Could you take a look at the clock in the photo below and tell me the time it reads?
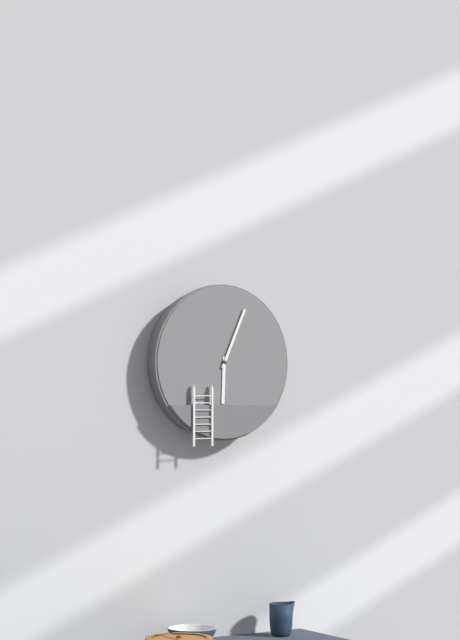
6:04
